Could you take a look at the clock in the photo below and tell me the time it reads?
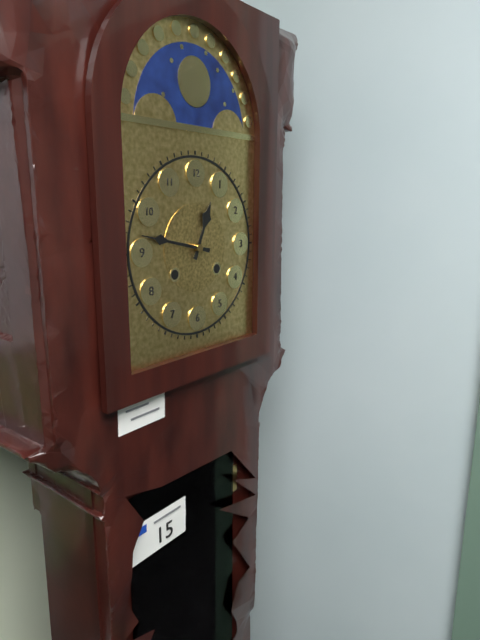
12:47
